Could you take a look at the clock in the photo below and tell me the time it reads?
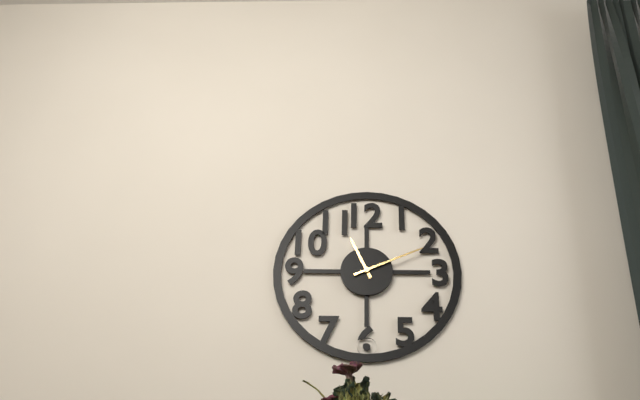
11:11
